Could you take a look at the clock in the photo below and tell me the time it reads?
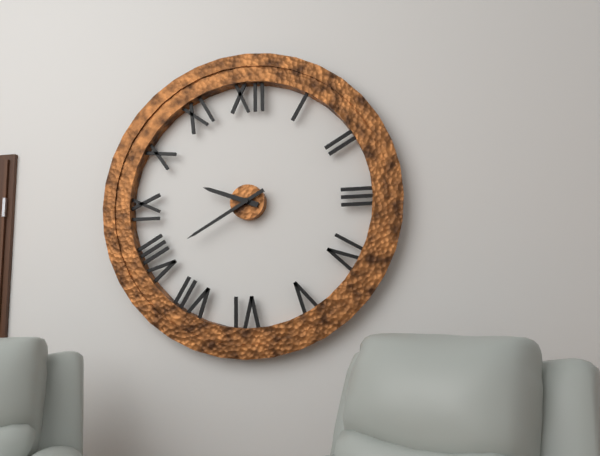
9:40
